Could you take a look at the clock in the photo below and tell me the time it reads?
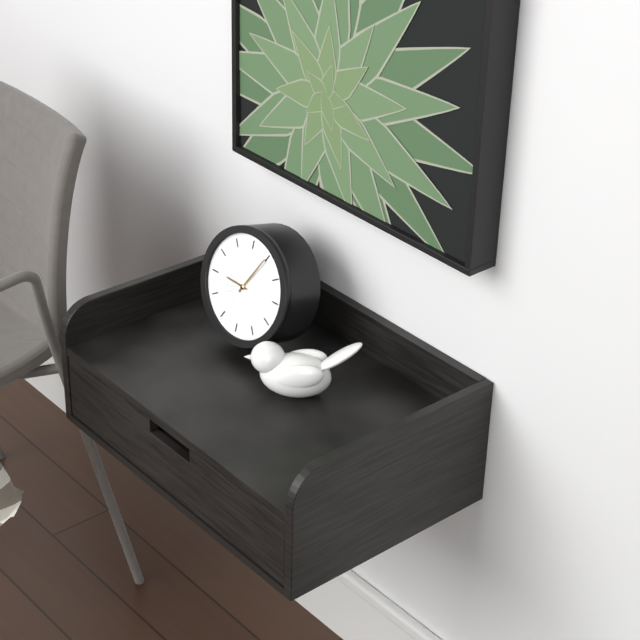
9:05
